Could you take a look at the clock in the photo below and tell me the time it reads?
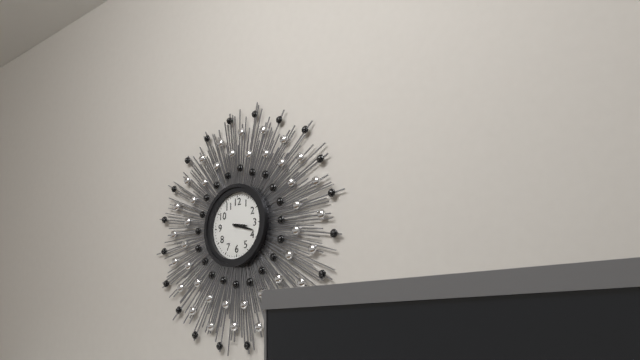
3:18
